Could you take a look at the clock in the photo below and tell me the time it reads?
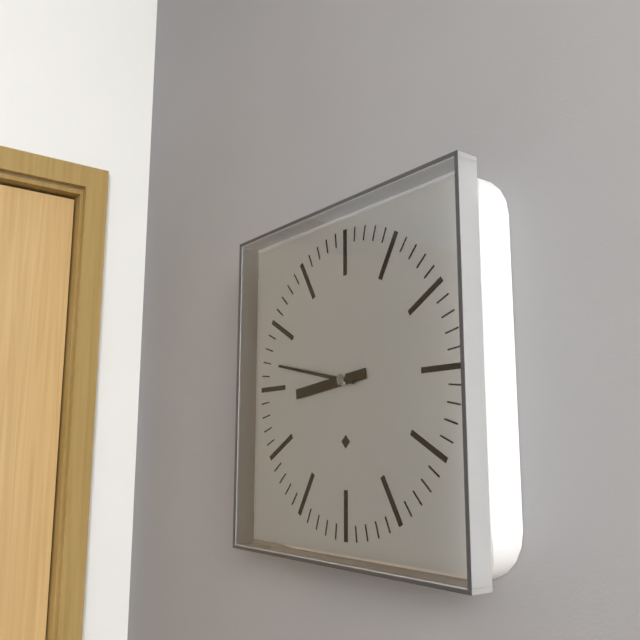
8:47
